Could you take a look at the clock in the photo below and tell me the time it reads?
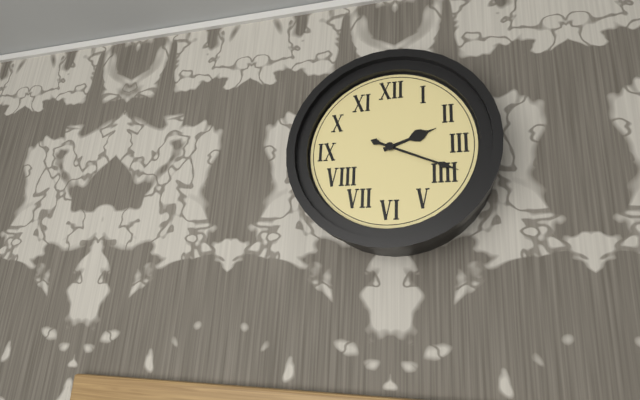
2:19
